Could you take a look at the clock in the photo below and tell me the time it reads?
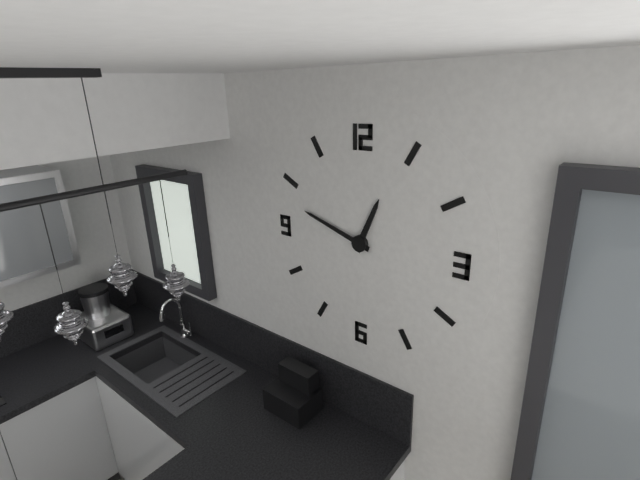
12:48
